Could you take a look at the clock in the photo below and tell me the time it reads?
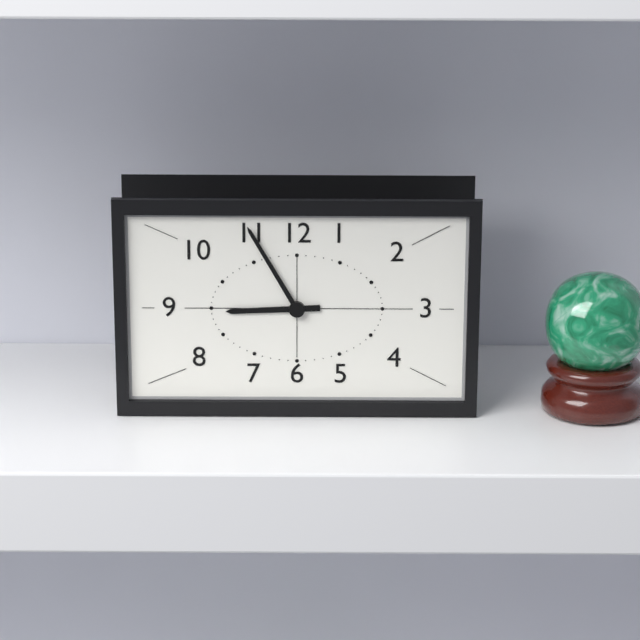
8:55
